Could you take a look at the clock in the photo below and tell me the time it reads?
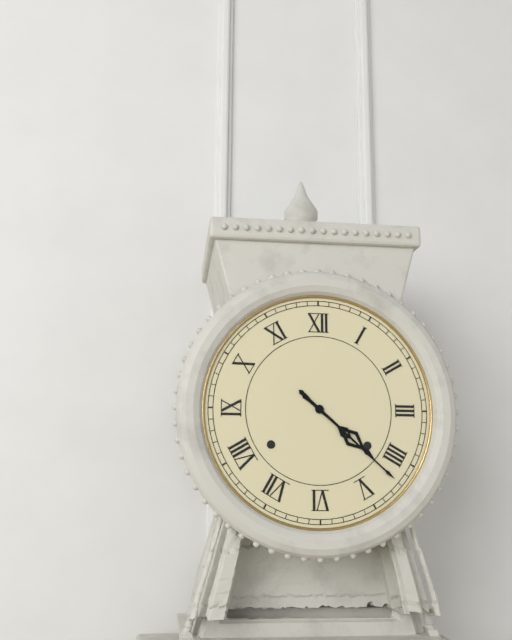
4:22
